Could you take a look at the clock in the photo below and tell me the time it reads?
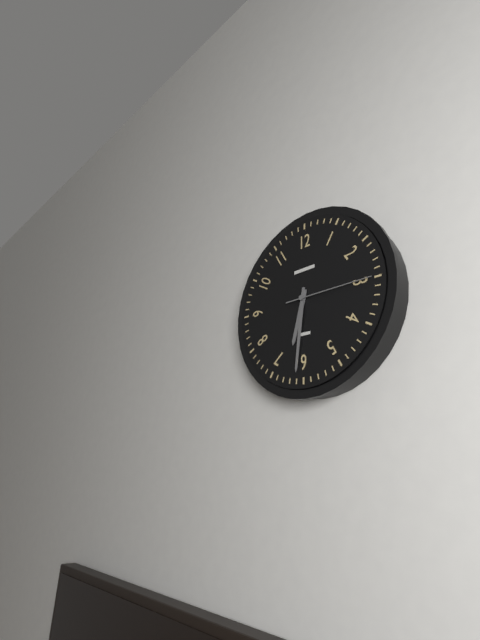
6:31:15
